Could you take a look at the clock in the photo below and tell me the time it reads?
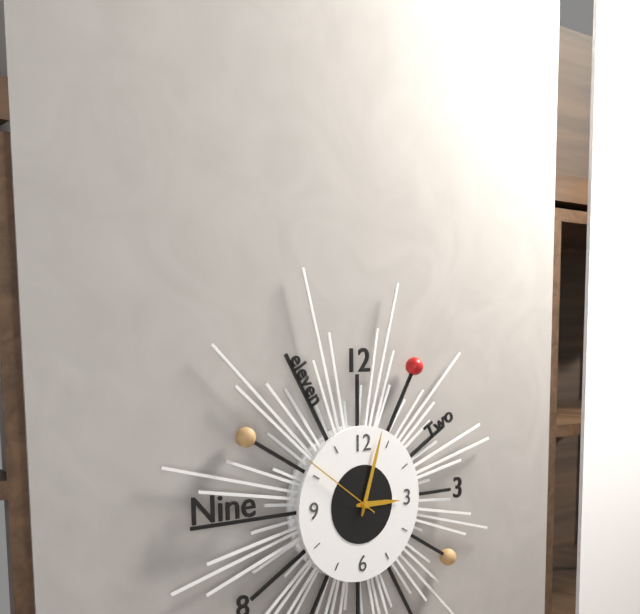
3:03:51
